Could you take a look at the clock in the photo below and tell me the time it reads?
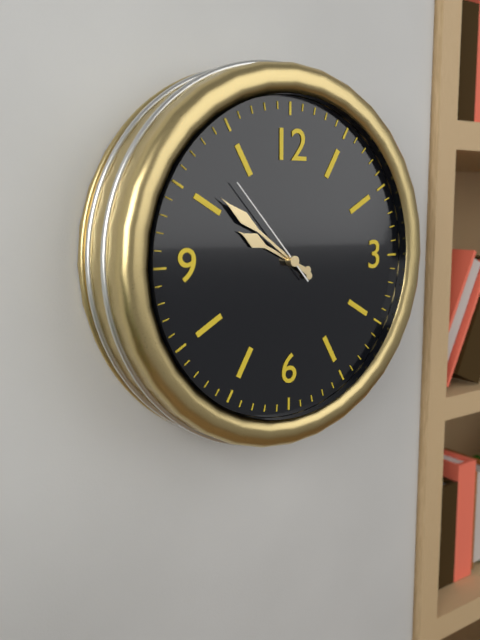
9:51:53
